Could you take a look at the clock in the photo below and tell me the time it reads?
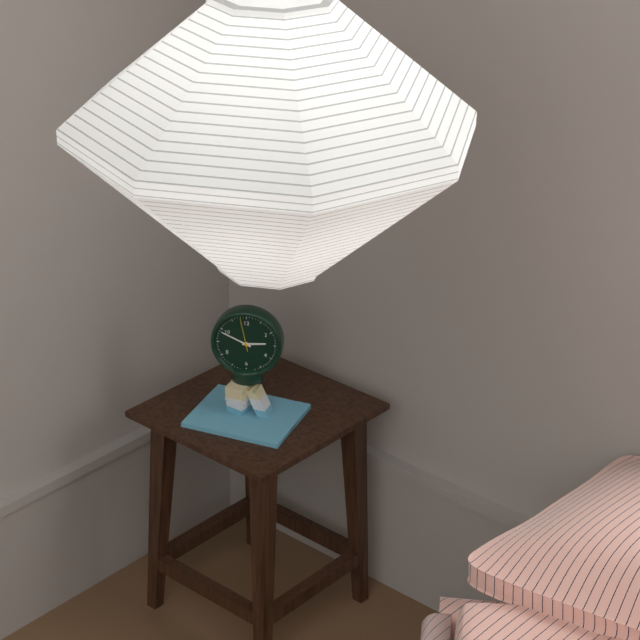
2:49
